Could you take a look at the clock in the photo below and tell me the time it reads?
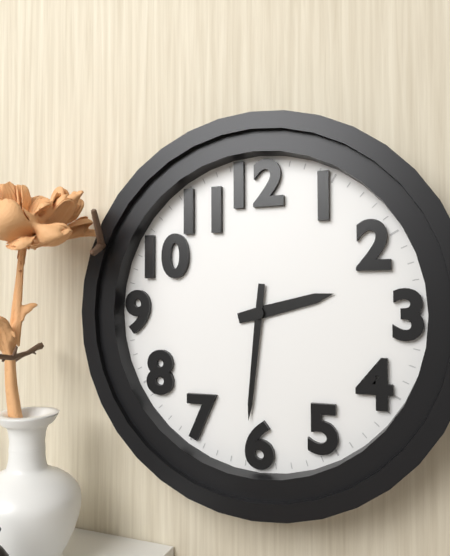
2:31
